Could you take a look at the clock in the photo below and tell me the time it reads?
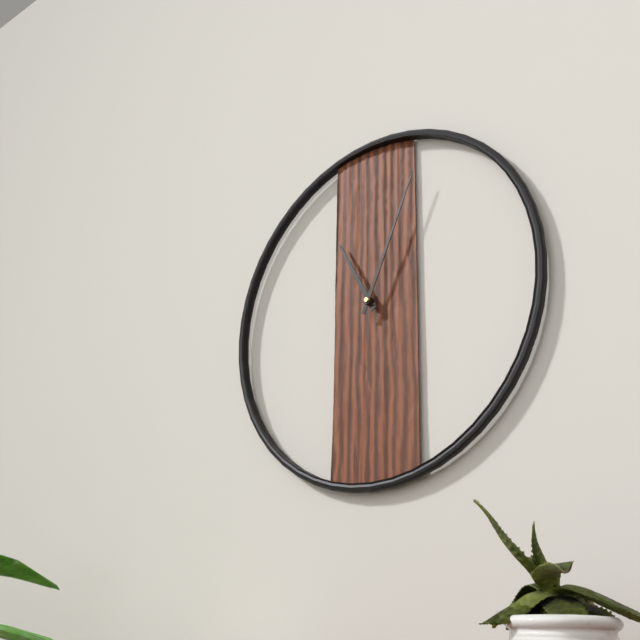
11:04
